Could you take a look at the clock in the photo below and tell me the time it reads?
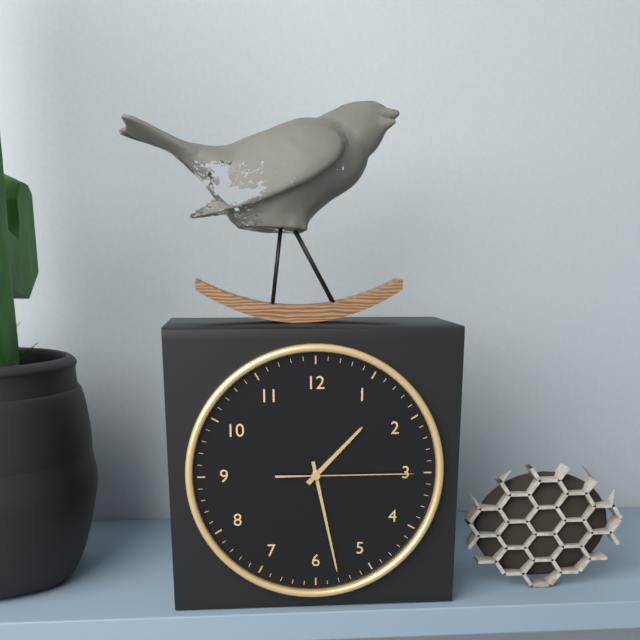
1:28:15
